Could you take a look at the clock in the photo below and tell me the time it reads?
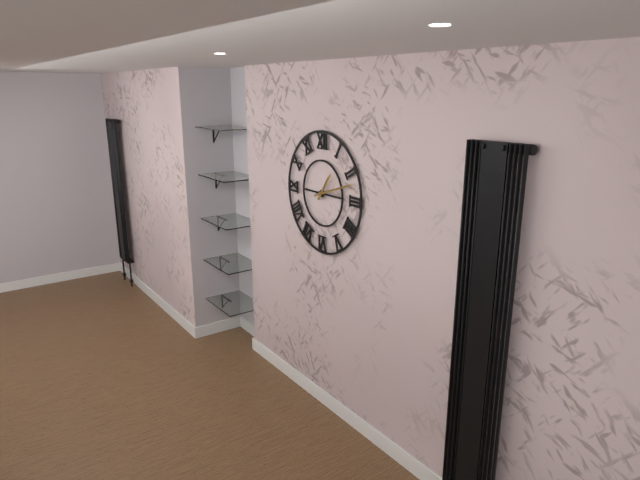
1:12
